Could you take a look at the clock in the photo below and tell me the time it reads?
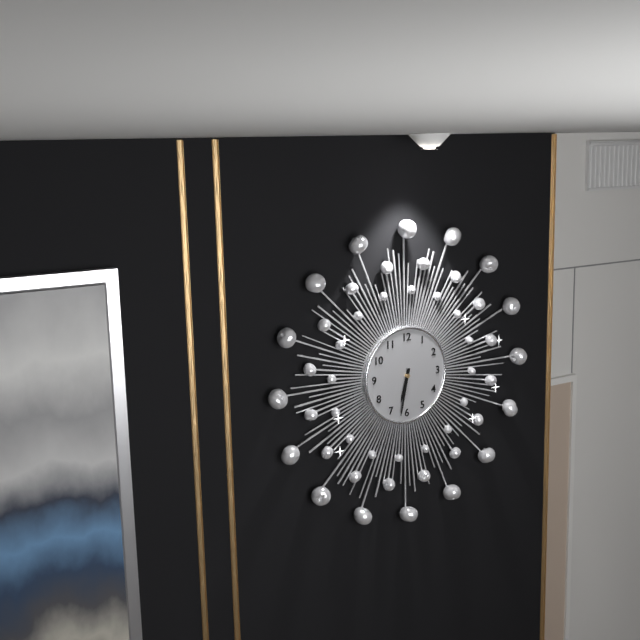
6:32
